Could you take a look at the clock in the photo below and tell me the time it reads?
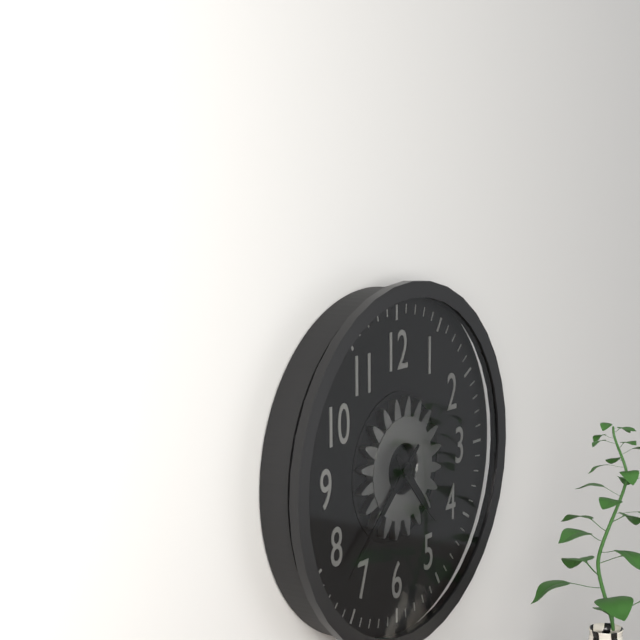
4:38
